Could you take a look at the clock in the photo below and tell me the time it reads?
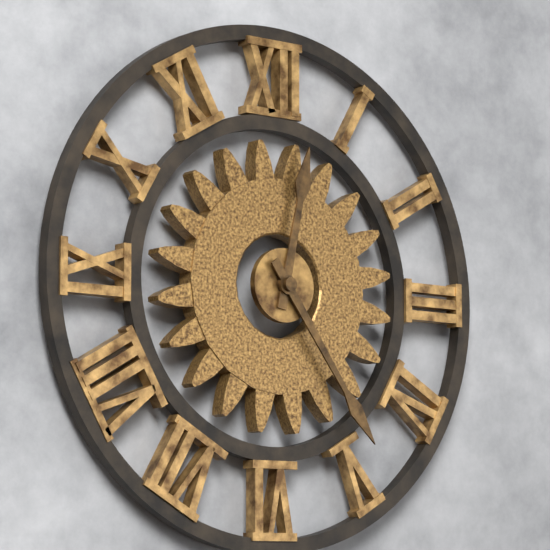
12:24
